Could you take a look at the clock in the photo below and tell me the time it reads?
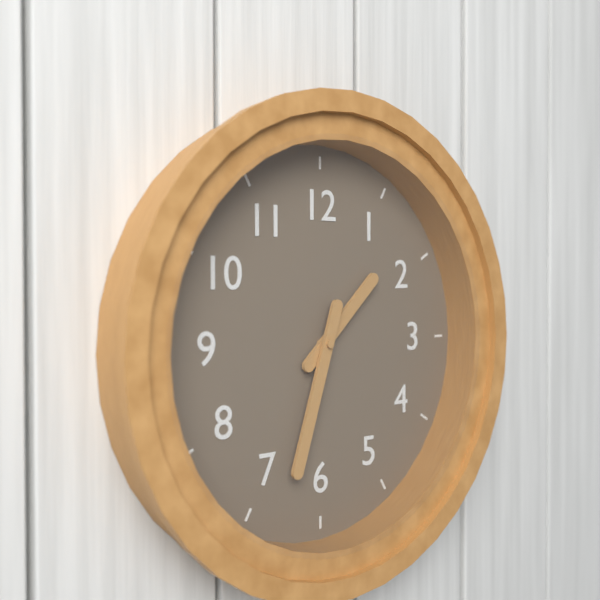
1:33
